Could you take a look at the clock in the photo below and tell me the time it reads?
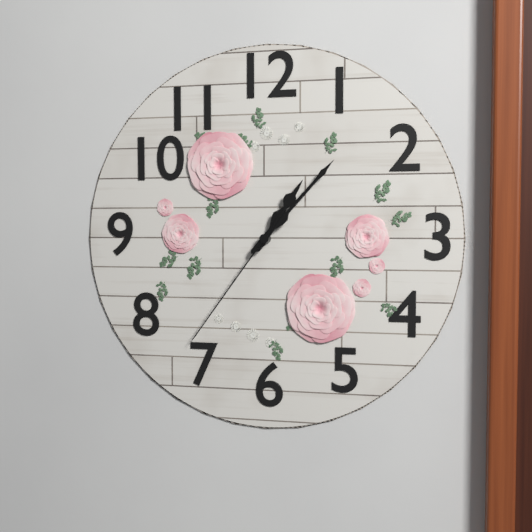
1:07:36
